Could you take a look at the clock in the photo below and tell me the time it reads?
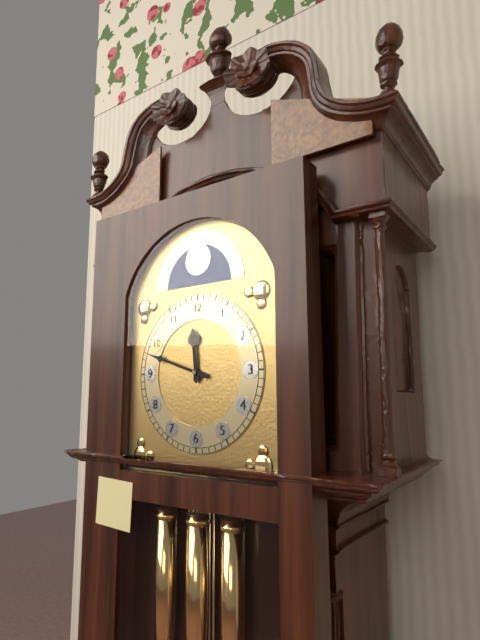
11:48
